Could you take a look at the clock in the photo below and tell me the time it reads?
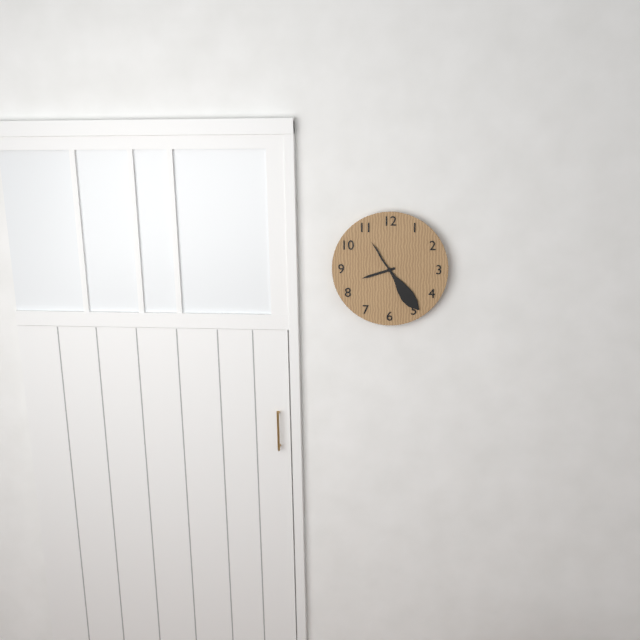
8:24
